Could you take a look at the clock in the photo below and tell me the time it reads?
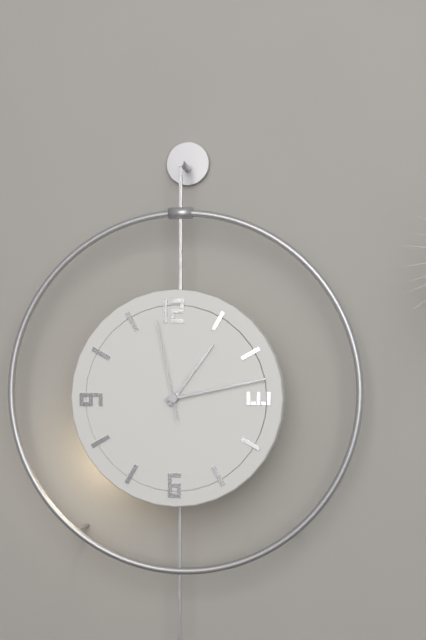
1:13:58
